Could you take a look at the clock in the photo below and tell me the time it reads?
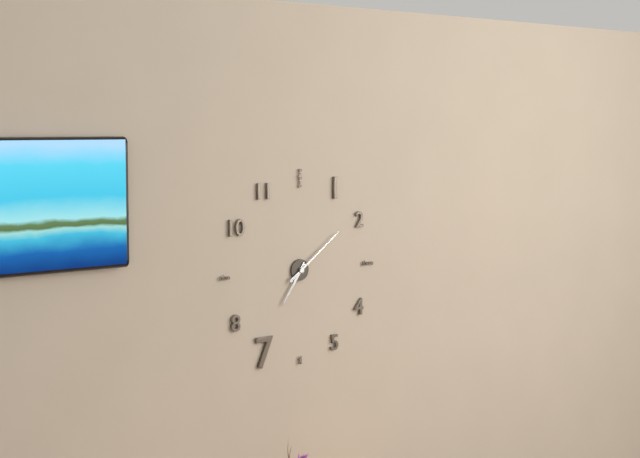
7:09
